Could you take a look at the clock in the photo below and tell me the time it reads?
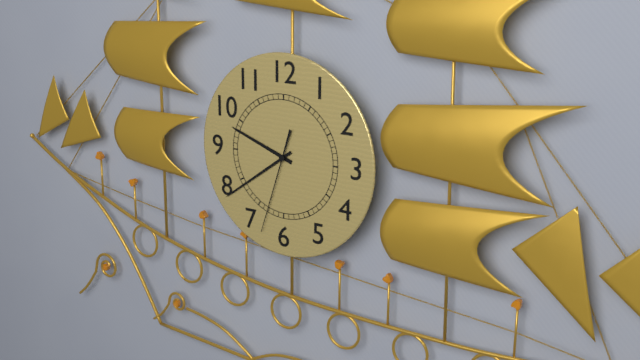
9:39:33
